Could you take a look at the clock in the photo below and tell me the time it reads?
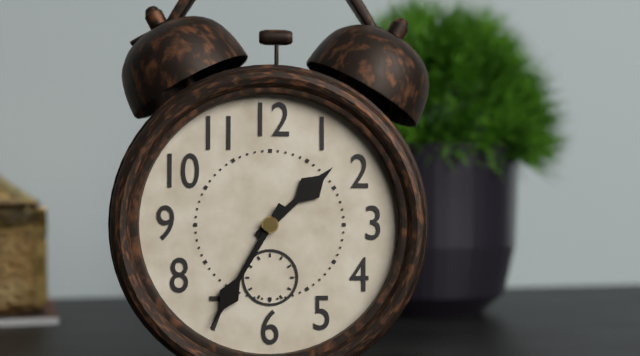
1:35
